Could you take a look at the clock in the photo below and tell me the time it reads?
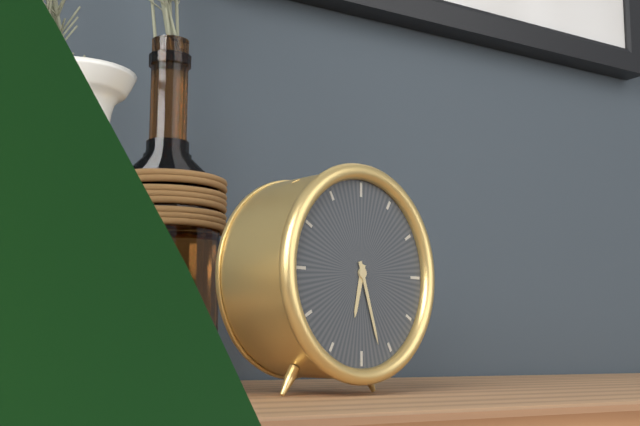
6:27
